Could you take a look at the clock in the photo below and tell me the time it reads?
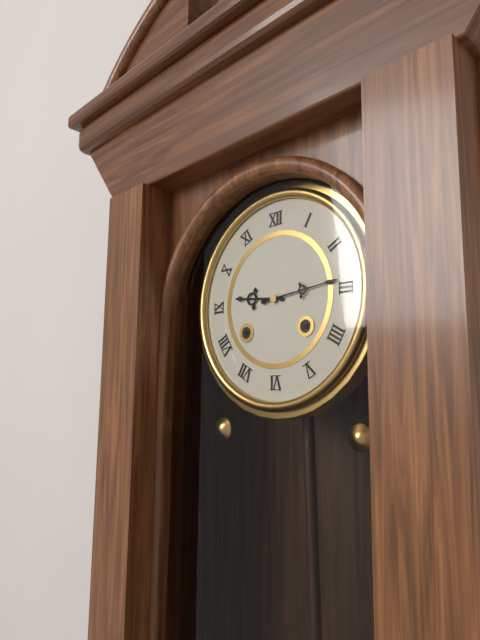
9:14
